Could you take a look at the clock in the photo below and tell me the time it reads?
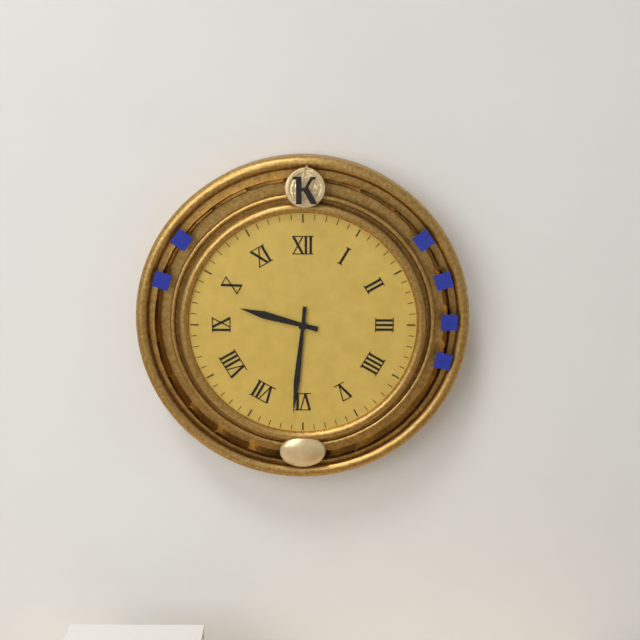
9:31
